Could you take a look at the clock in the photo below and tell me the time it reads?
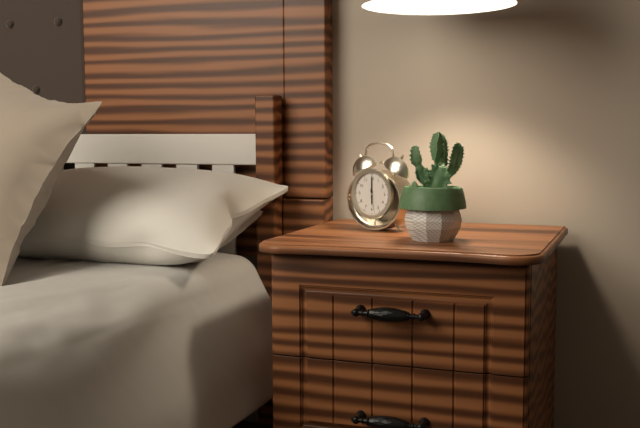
6:00
